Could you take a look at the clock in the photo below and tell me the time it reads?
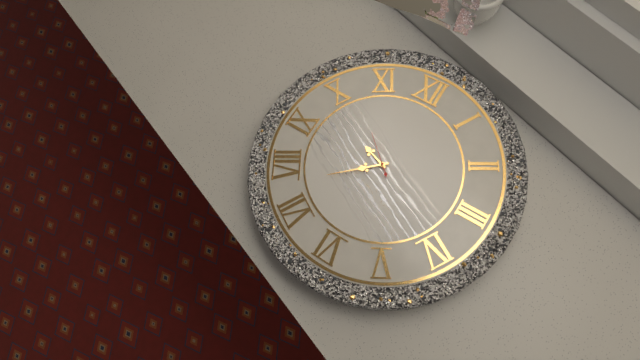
9:38
